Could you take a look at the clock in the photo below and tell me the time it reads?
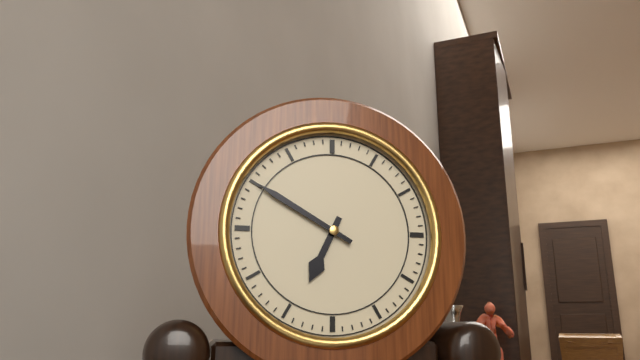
6:50
